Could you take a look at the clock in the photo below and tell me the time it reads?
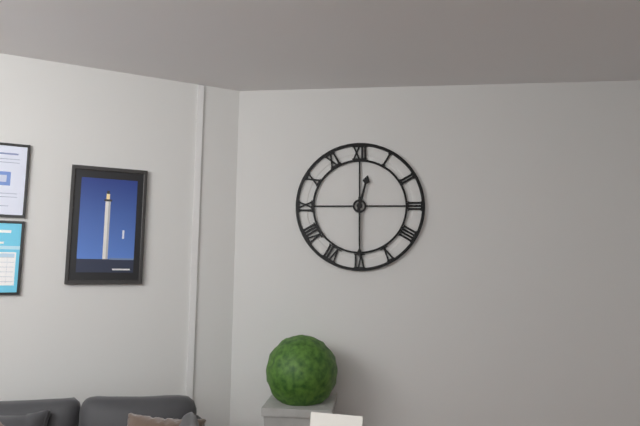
12:30
